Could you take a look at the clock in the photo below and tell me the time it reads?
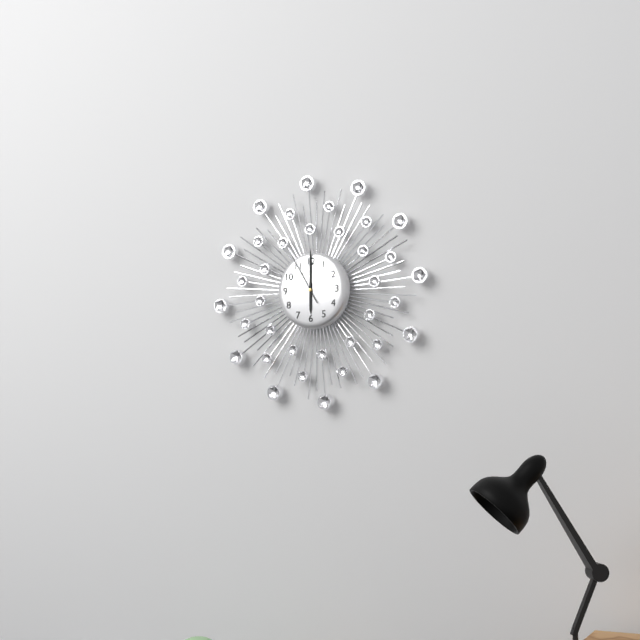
6:00:55
